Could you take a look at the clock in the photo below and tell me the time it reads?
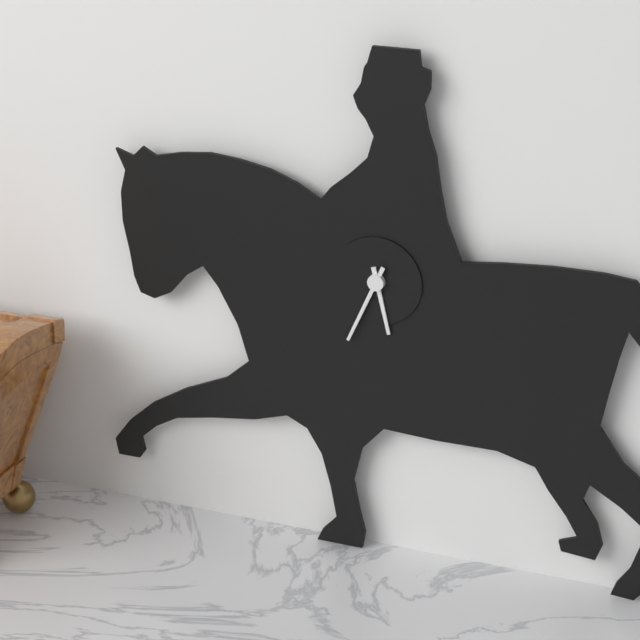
5:34
